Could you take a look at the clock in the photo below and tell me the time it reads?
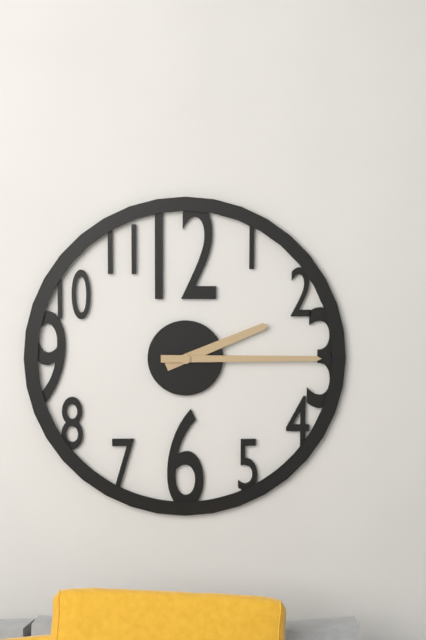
2:15
